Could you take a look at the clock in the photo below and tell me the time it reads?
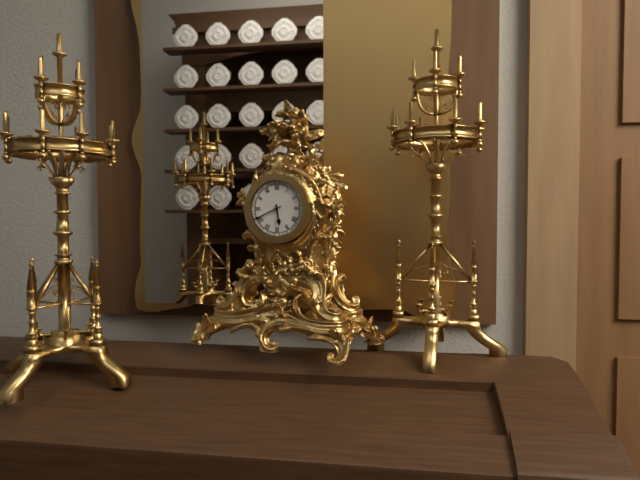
5:41
